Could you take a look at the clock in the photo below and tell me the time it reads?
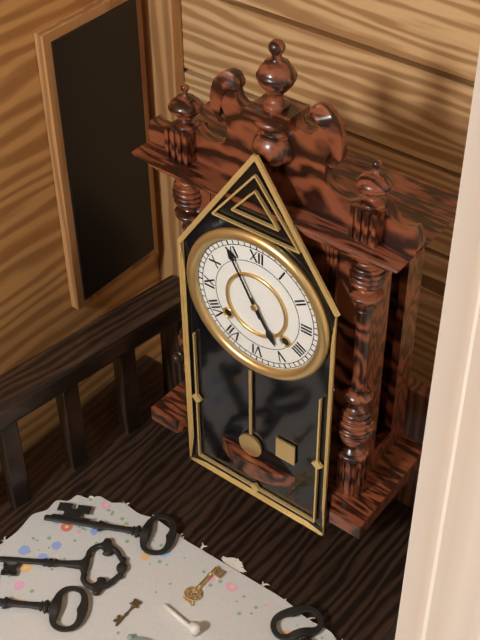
4:55
